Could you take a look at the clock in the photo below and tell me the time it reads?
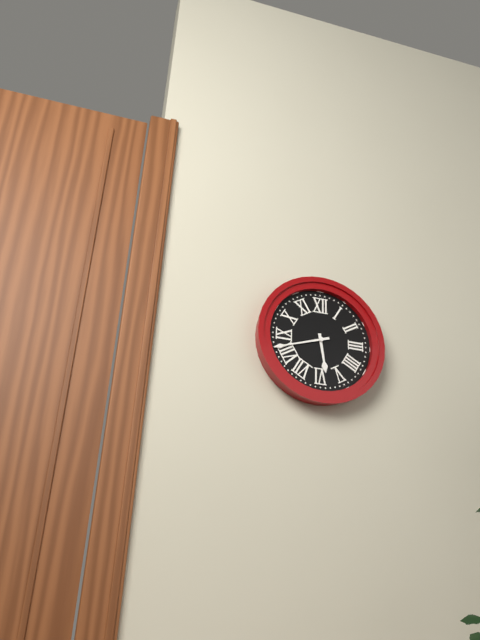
5:42
